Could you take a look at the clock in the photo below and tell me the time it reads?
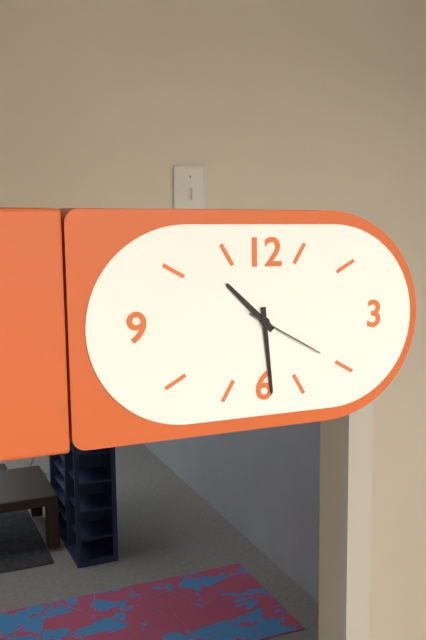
10:29:20
